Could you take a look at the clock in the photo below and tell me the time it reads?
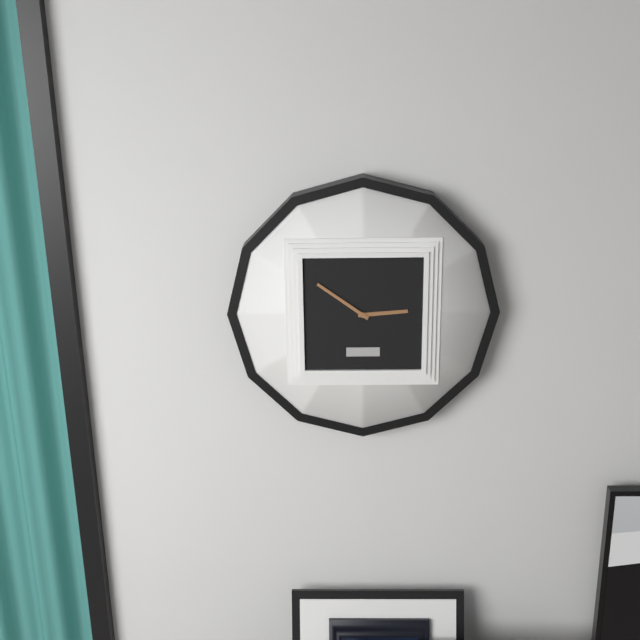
2:51
